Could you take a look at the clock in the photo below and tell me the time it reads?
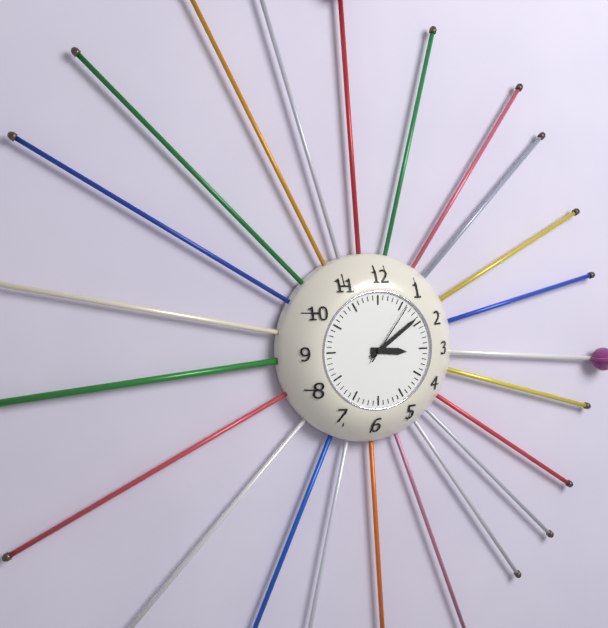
3:09:06
